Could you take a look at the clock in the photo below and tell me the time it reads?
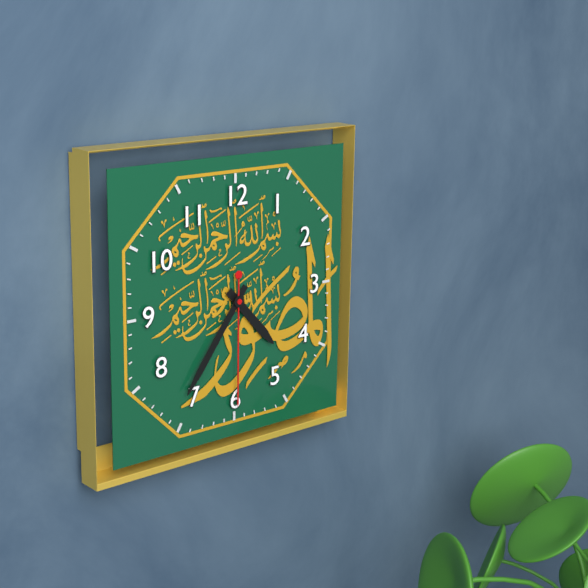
4:36:30
